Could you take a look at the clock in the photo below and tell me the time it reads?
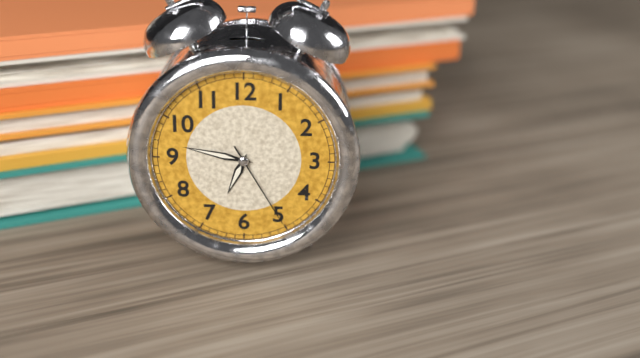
6:47:25
